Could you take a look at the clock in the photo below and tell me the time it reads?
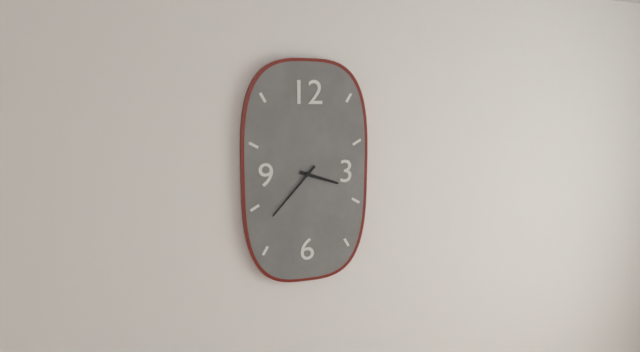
3:37
